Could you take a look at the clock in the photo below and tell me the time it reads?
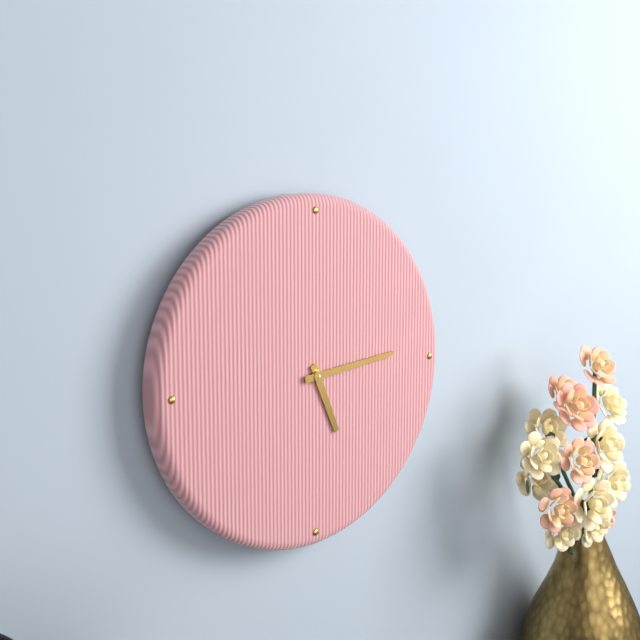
5:14
